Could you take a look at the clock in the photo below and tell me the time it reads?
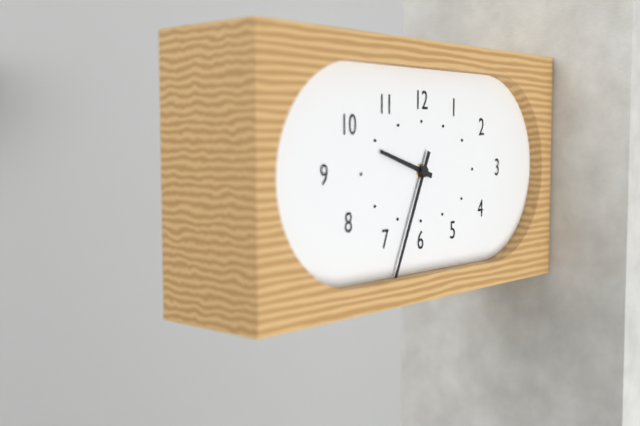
9:34
